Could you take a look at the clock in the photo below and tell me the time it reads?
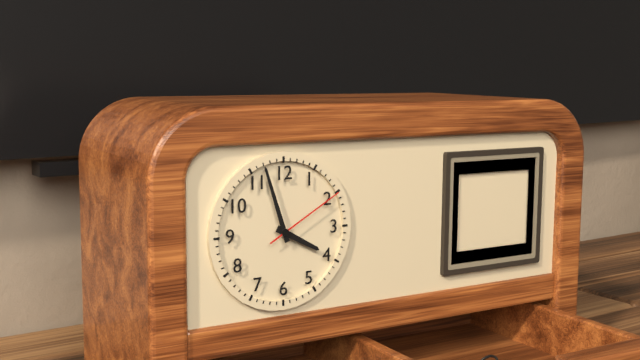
3:57:10
